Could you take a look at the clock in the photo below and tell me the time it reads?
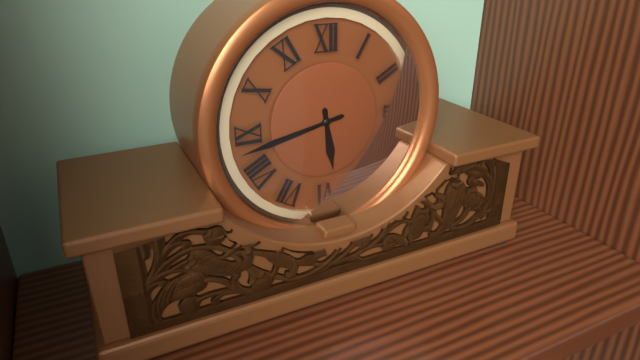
5:43
